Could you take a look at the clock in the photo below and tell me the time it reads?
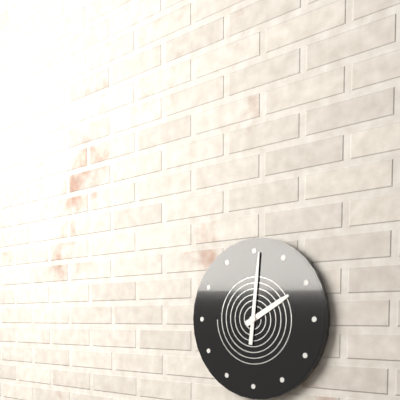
2:01
